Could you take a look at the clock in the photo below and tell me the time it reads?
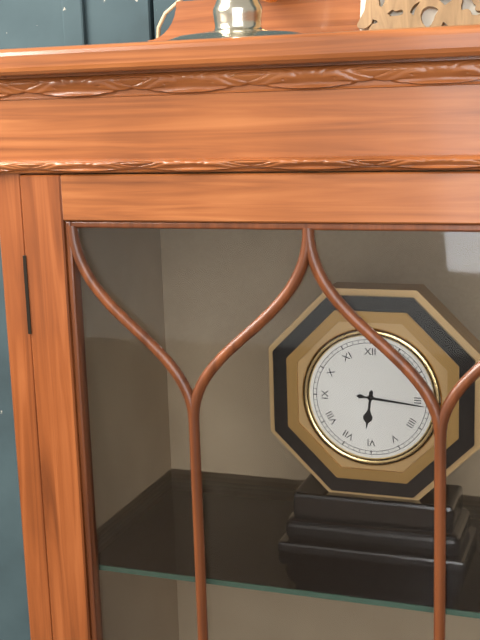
6:16
